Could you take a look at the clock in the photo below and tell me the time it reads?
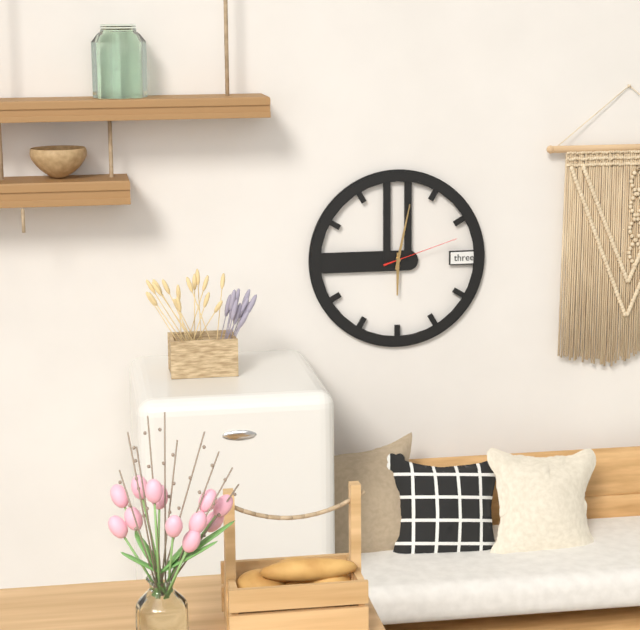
6:02:12
